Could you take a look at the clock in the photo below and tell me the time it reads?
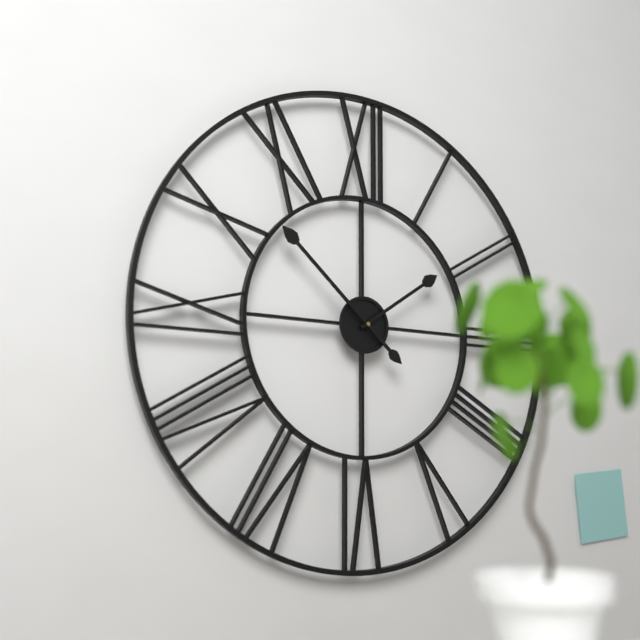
1:52
